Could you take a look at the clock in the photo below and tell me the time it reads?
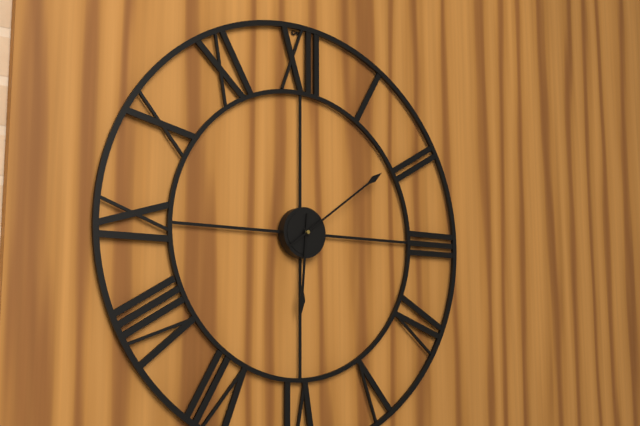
6:09
